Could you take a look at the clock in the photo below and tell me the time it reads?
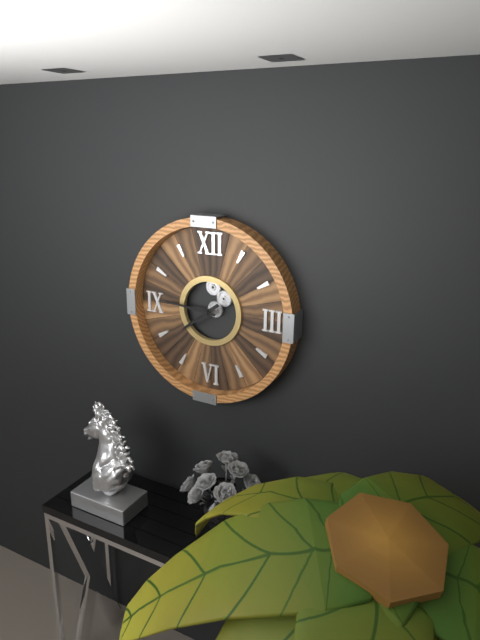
7:46
